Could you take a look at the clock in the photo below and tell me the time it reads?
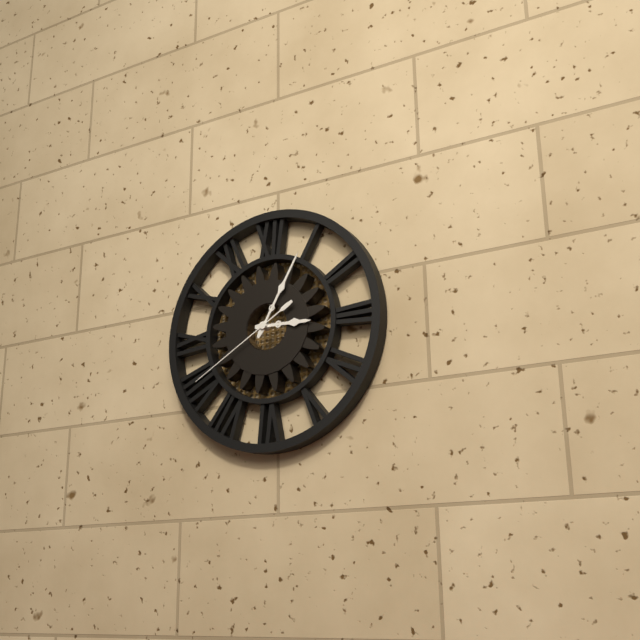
3:05:40
